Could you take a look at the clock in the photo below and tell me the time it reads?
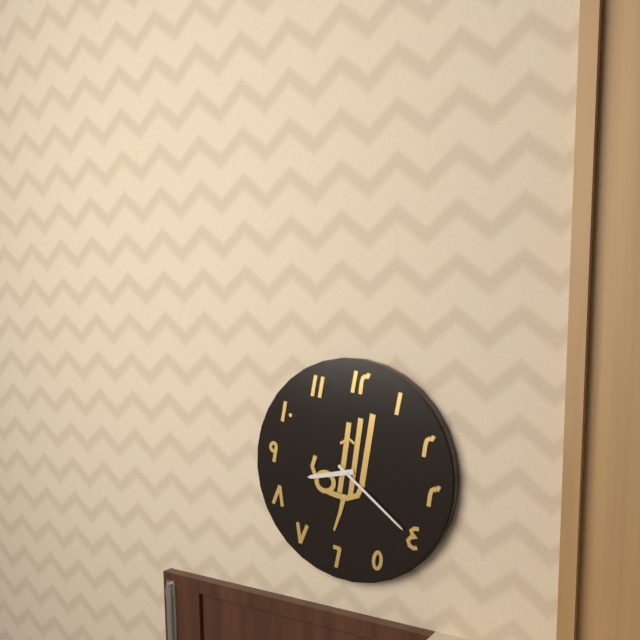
8:20
